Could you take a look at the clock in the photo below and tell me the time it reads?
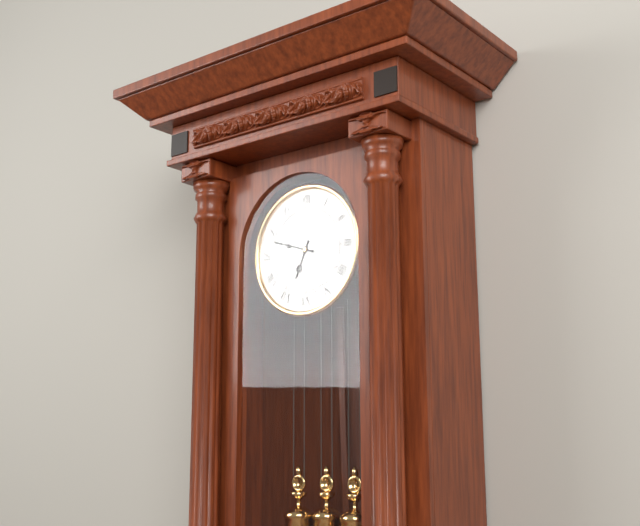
6:48
